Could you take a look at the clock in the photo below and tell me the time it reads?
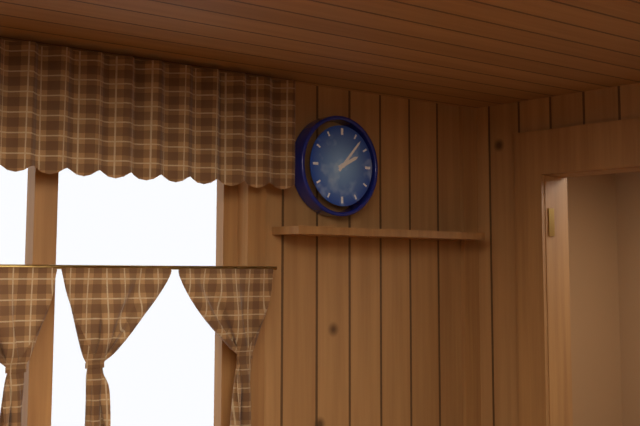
2:07
